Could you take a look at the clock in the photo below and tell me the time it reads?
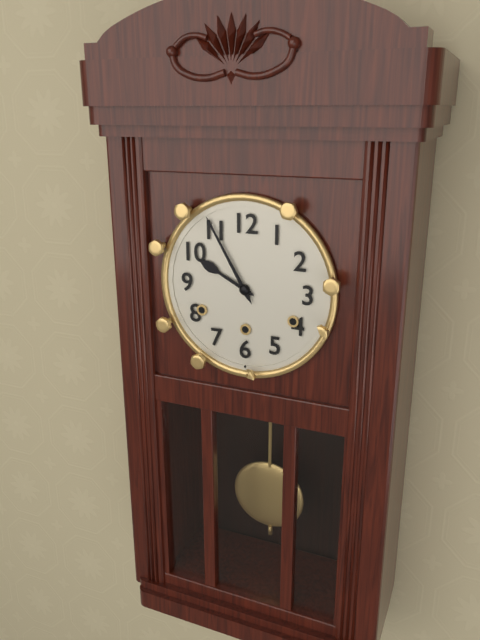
9:55
